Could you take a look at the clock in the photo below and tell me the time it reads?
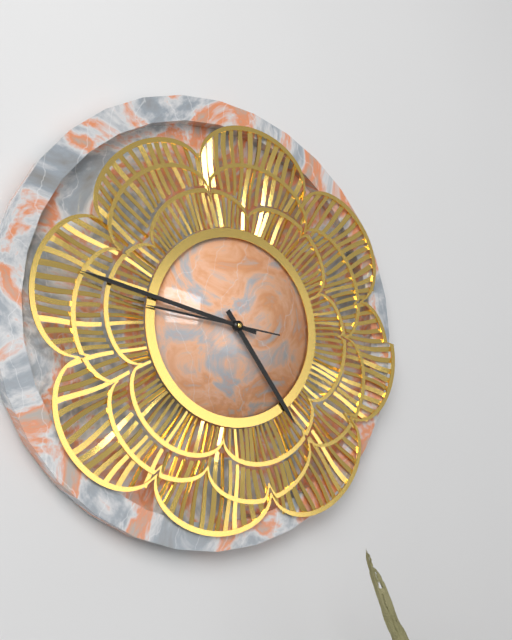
4:47:46
